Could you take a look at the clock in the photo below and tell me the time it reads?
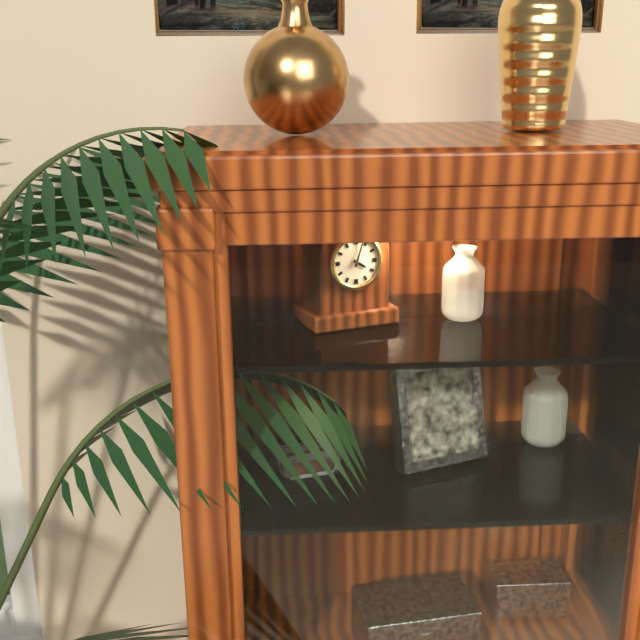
4:03
